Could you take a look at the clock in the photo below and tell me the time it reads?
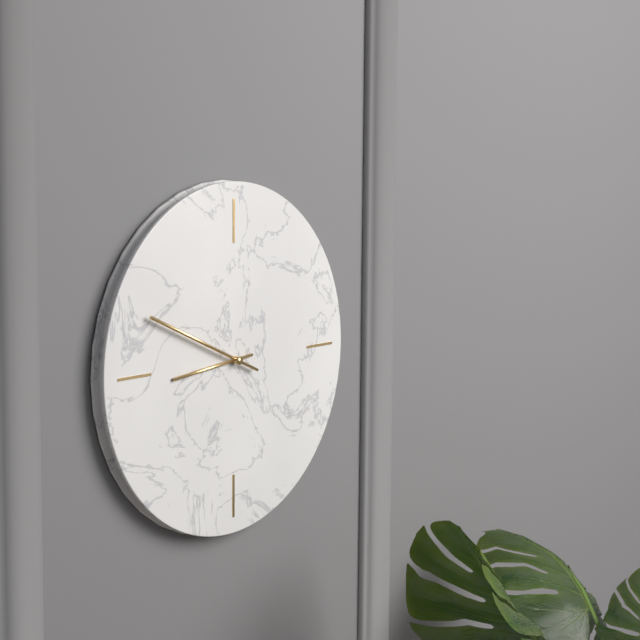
8:49
